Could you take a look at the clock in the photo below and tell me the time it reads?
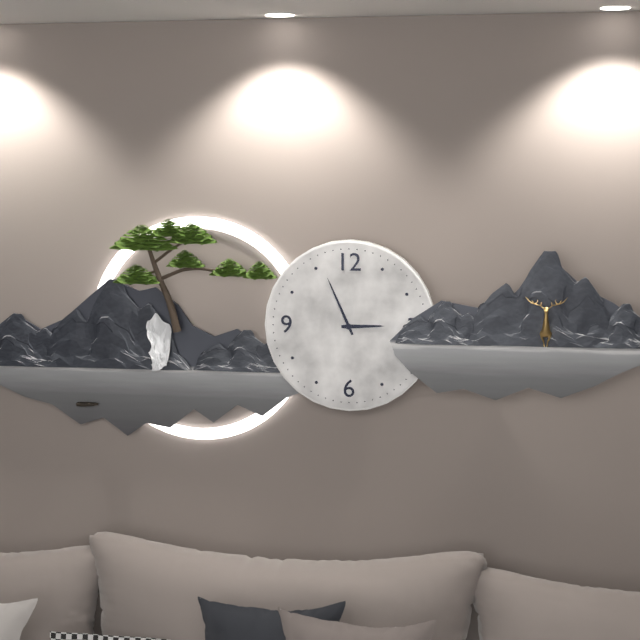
2:56
